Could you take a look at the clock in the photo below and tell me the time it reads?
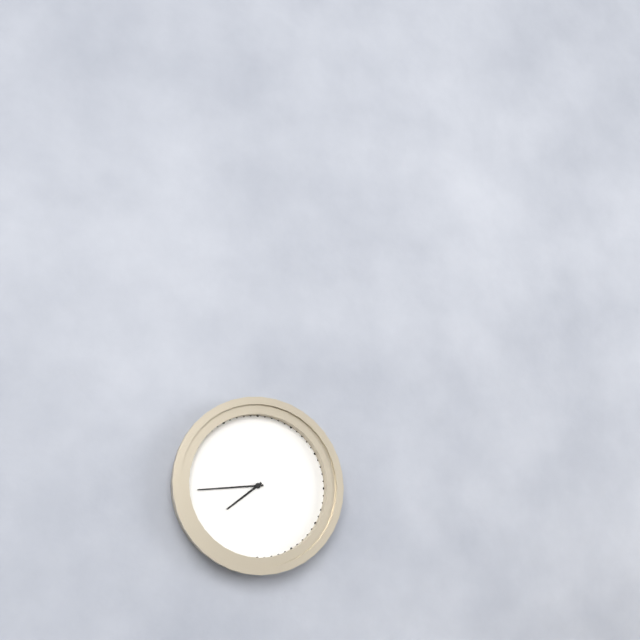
7:44
